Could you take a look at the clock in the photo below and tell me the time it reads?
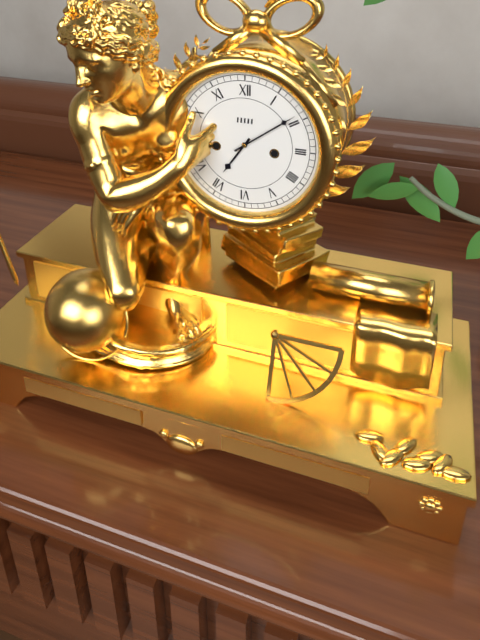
7:09
